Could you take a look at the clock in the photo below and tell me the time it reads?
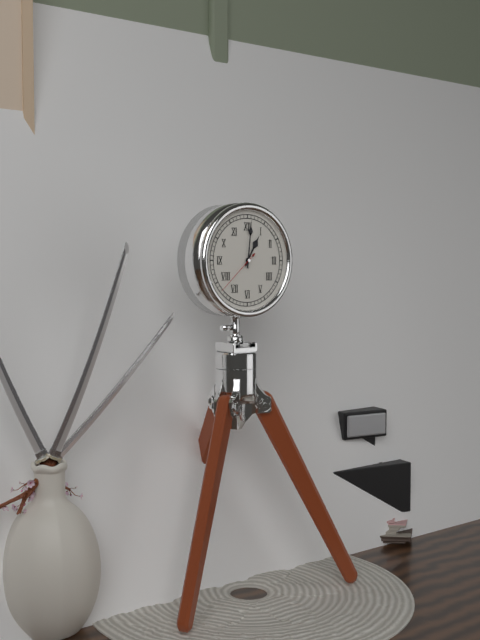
1:01:38
